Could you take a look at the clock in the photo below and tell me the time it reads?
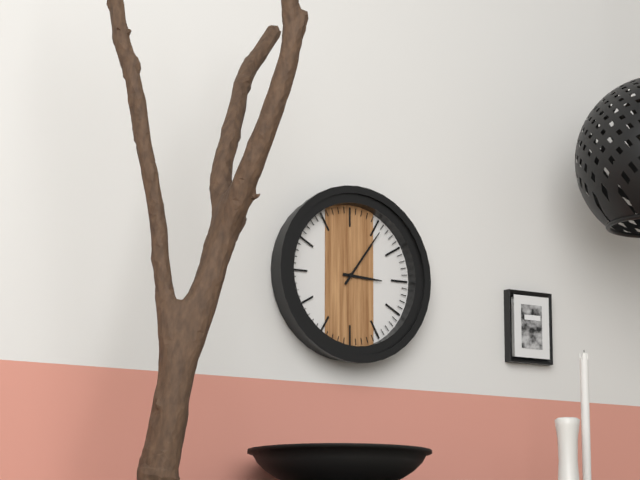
3:06
